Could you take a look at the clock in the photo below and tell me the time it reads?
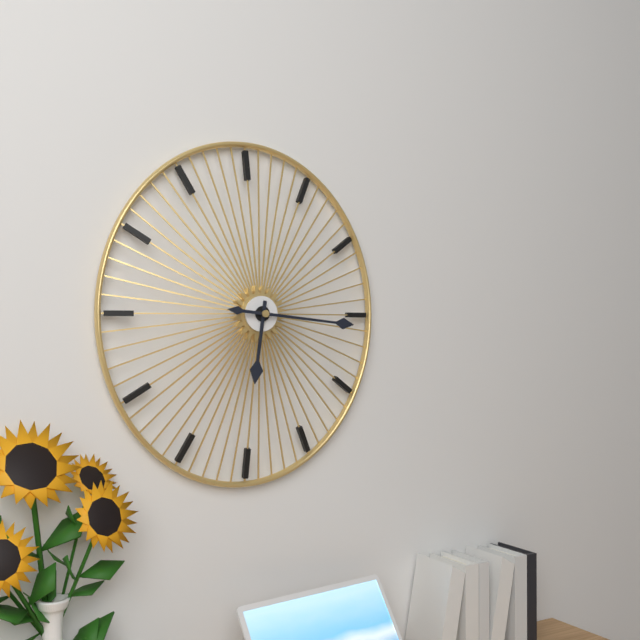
6:16
